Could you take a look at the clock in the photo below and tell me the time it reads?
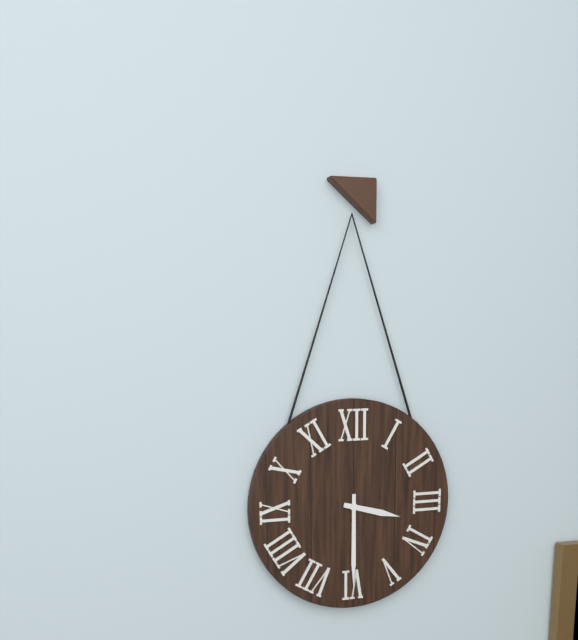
3:30
